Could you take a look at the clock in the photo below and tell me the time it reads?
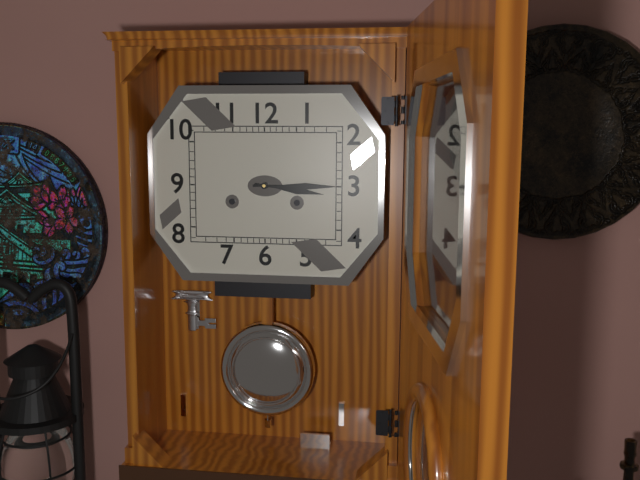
3:15
